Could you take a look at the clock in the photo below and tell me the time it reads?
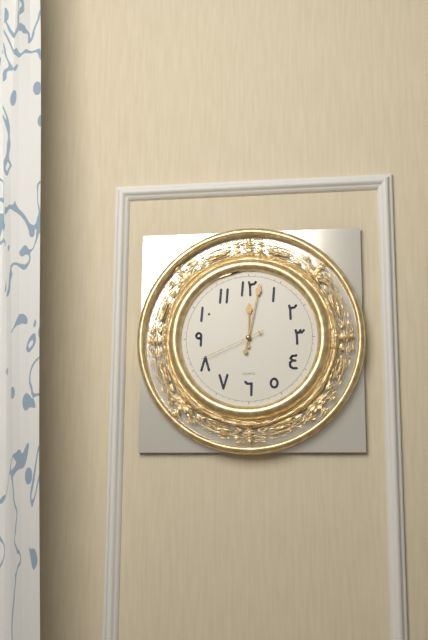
12:02:41
